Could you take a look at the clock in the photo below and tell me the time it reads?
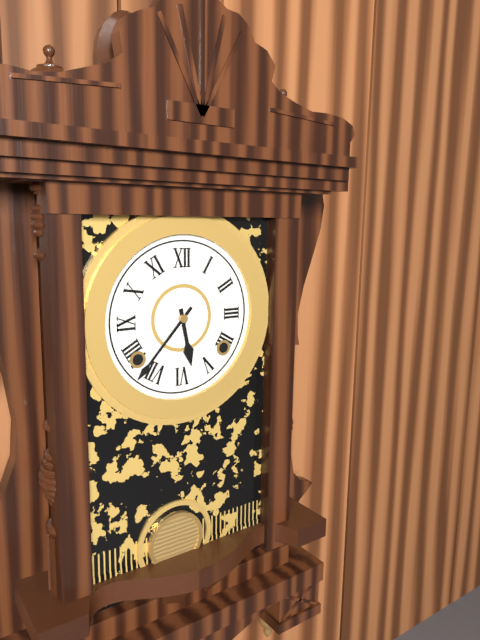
5:37
